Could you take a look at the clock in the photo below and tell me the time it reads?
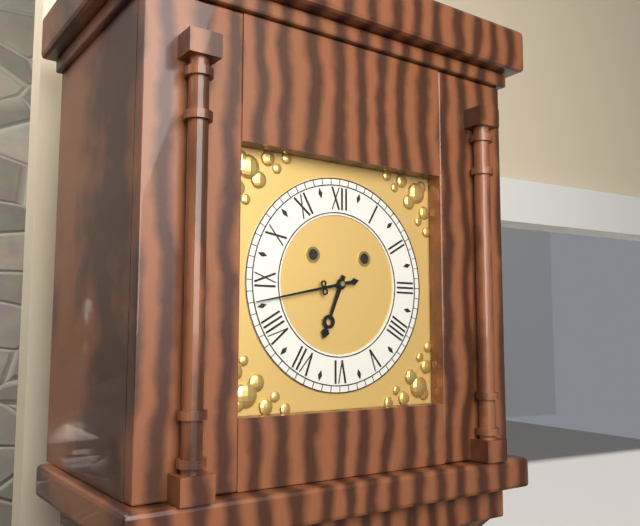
6:43
